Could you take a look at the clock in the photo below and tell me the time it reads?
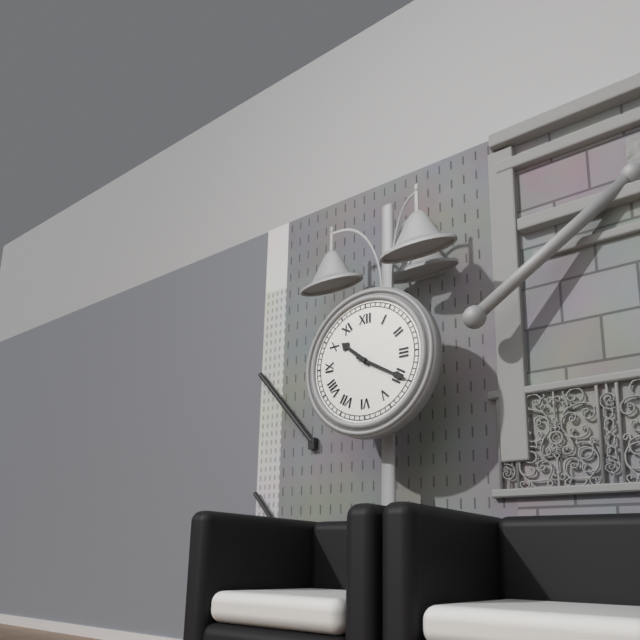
10:20
